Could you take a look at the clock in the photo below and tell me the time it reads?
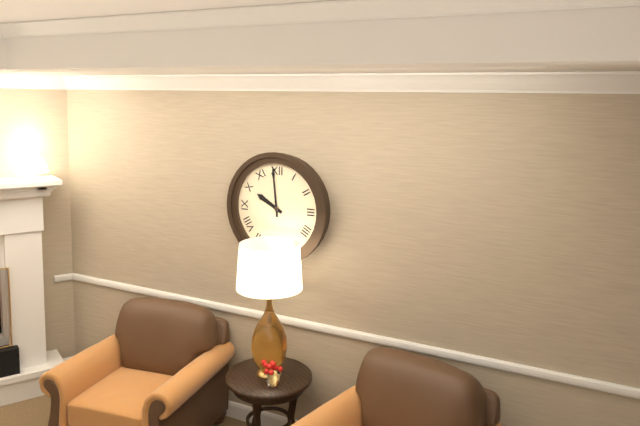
9:59
